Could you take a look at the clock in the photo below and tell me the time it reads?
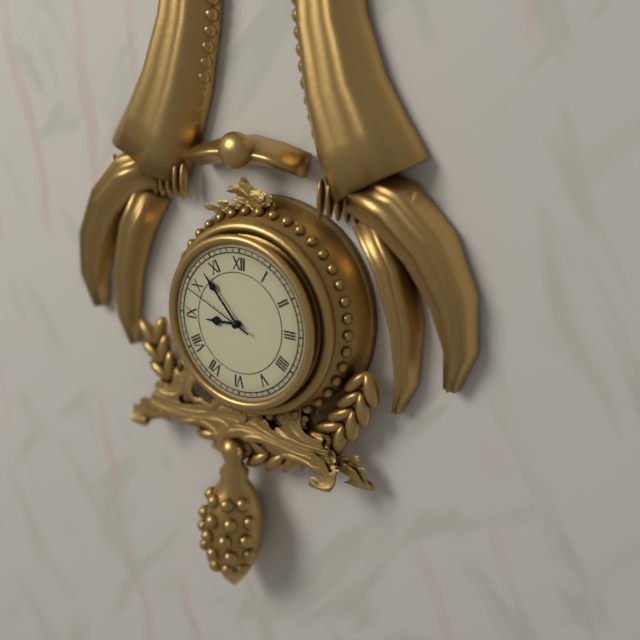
8:53:49
